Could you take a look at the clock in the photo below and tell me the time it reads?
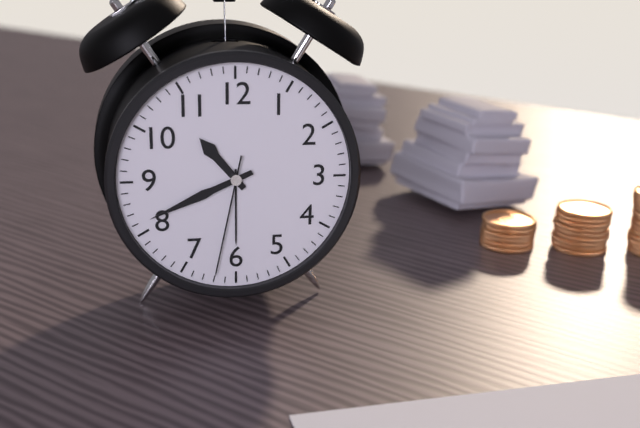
10:41:32
